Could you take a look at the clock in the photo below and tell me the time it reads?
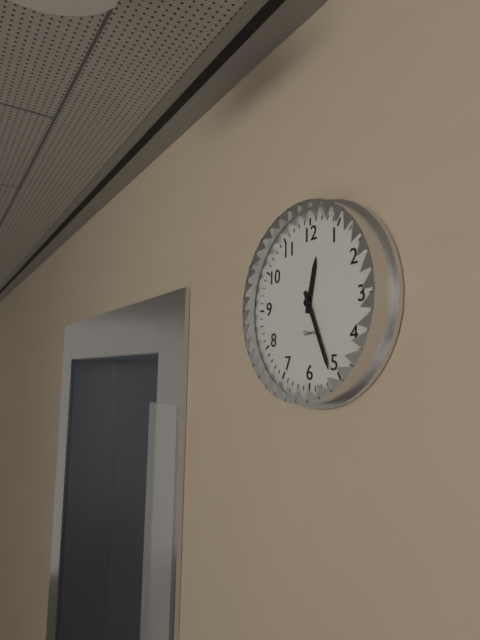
12:26
